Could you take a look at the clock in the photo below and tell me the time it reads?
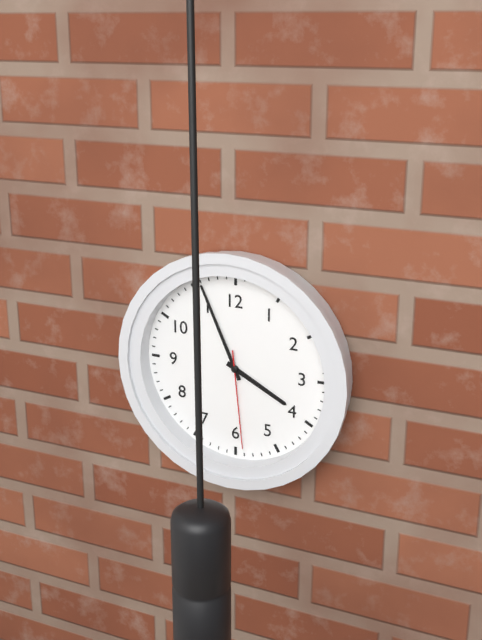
3:56:29
